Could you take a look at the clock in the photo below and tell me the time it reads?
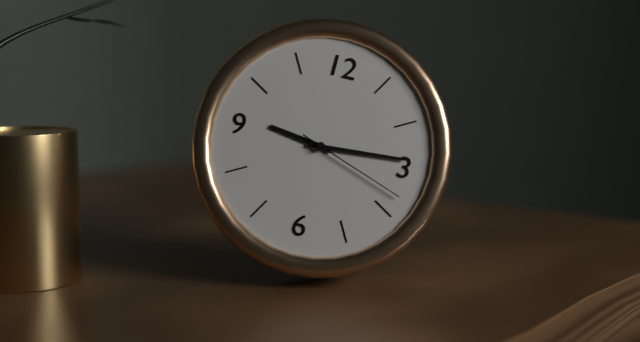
9:14:18
